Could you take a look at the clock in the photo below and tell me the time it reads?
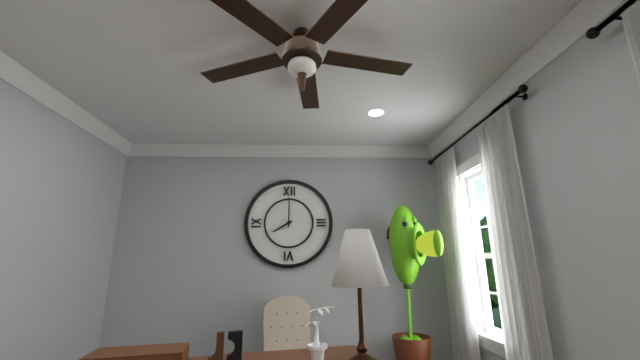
8:00
